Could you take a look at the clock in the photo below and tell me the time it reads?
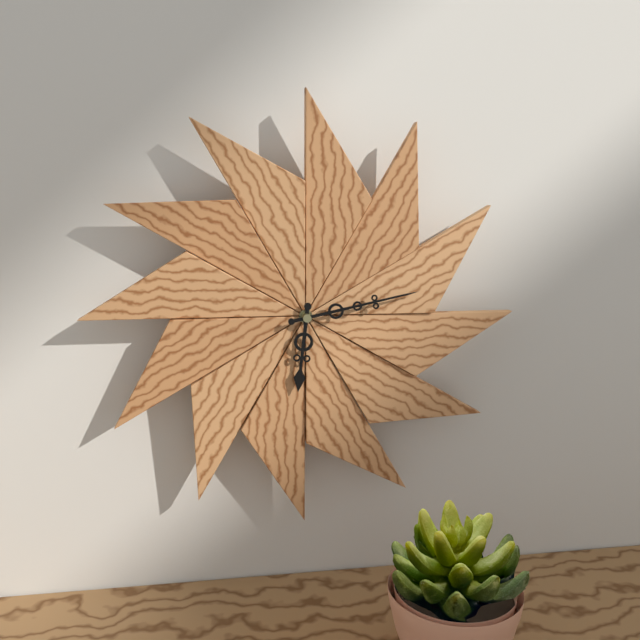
6:13
